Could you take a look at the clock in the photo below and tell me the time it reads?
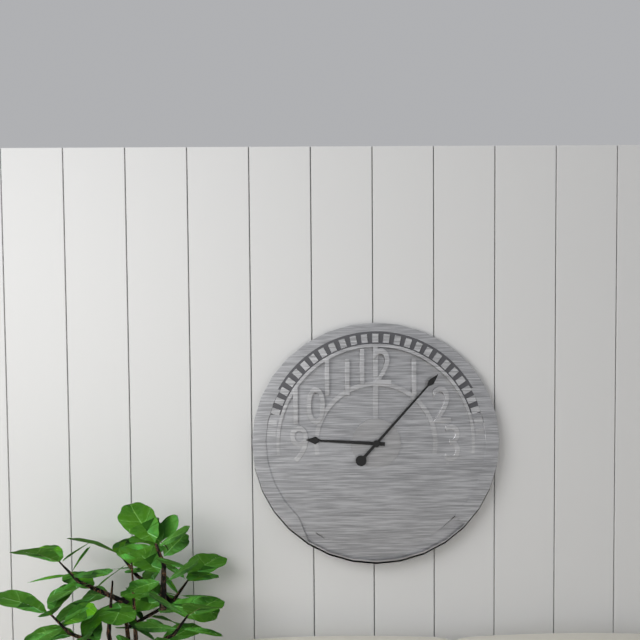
9:07
